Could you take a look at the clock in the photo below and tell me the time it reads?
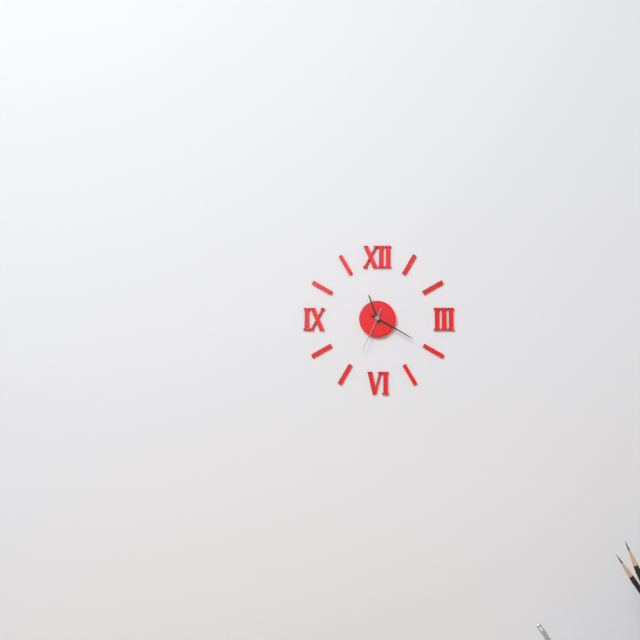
11:20
